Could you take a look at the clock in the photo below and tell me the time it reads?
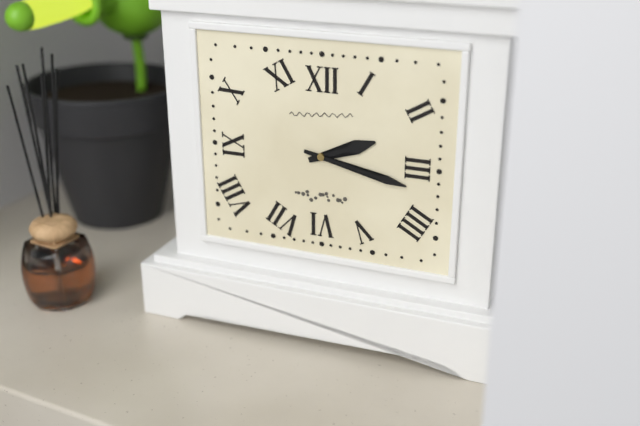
2:17
